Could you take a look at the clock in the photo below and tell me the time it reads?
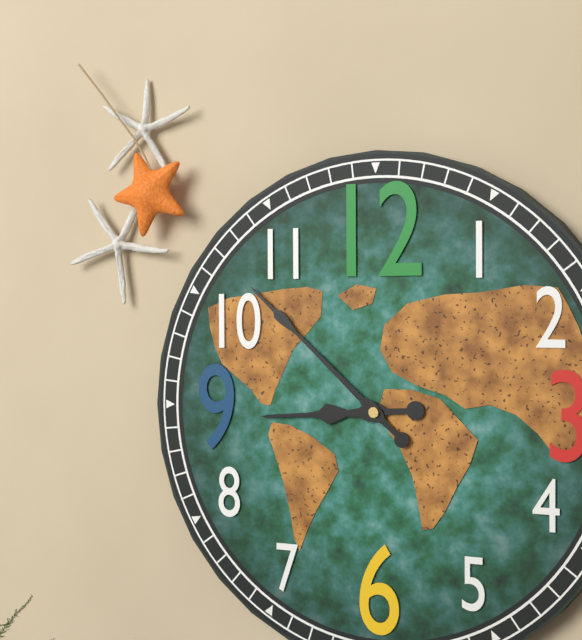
8:52
